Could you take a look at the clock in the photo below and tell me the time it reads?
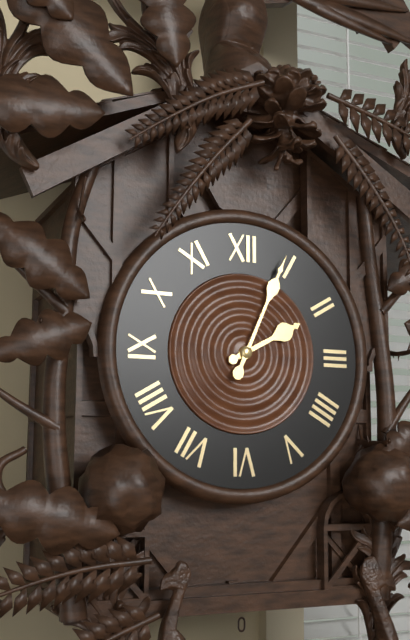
2:04
